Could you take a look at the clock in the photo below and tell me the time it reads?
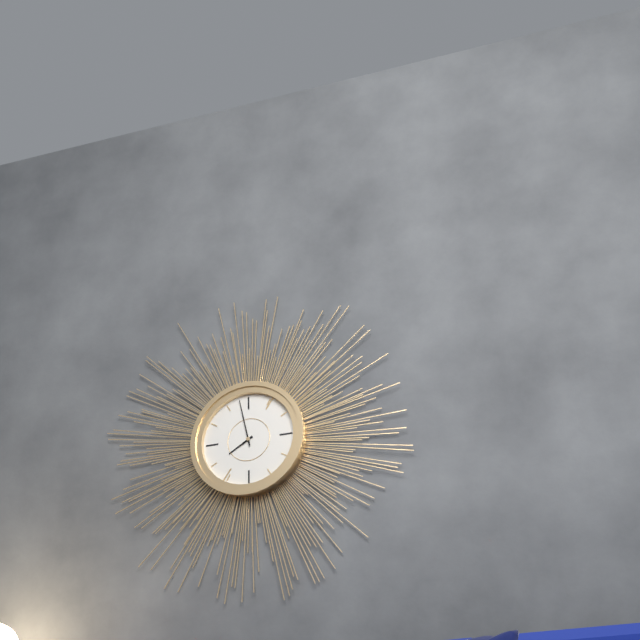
7:58
